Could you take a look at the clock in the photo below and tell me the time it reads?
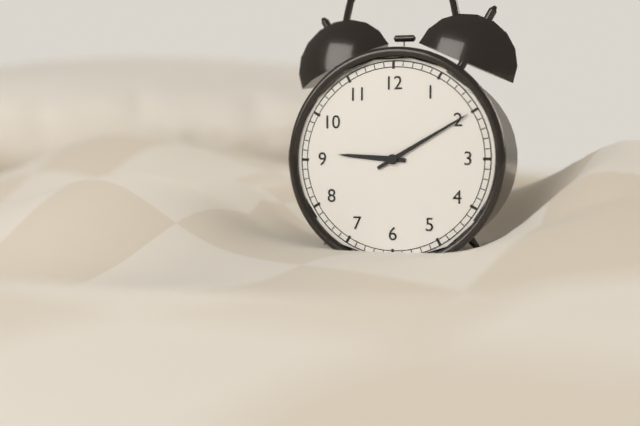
9:10
